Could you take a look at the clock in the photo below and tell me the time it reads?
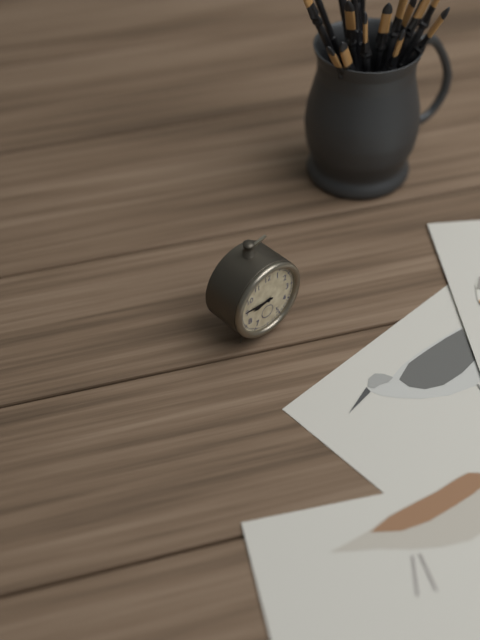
8:46
